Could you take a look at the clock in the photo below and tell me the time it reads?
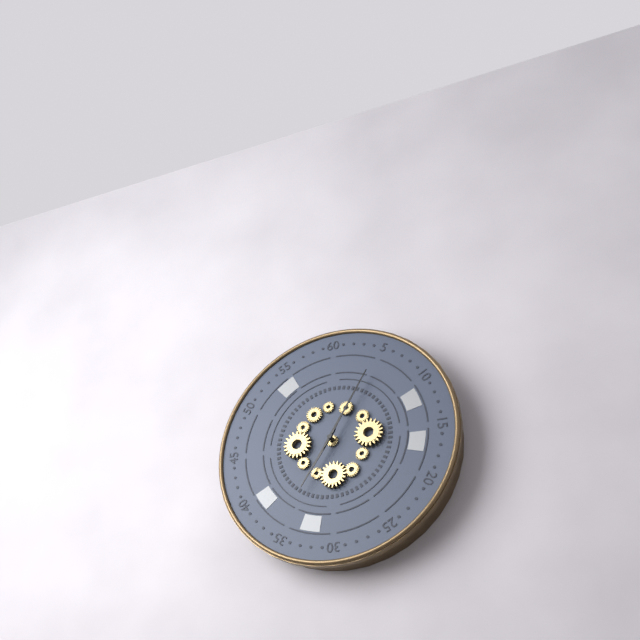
7:05
